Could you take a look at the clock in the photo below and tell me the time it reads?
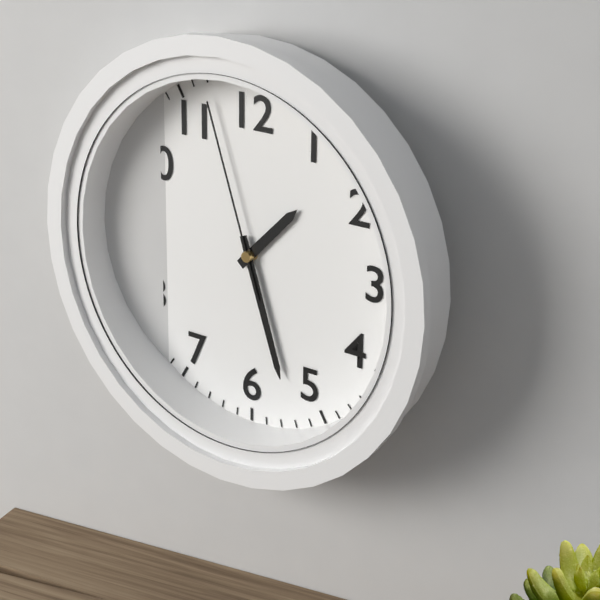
1:27:57
